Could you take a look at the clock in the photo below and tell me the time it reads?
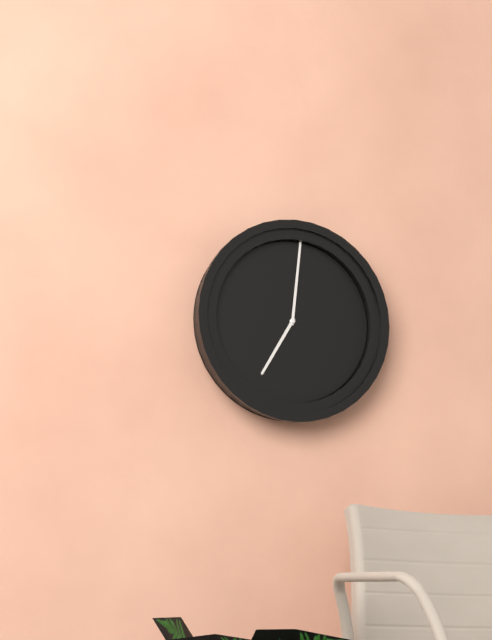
7:01
